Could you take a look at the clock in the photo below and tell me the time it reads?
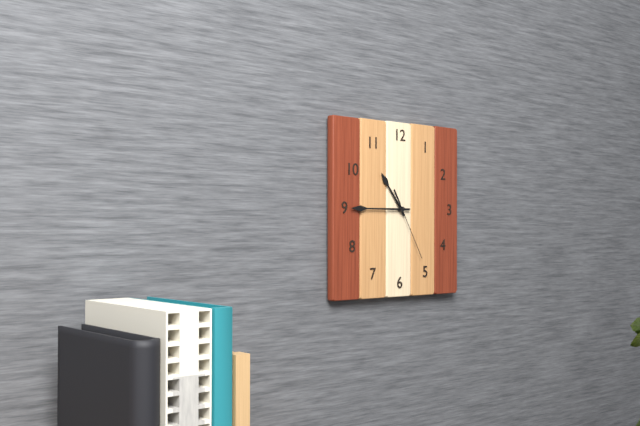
10:45:25
